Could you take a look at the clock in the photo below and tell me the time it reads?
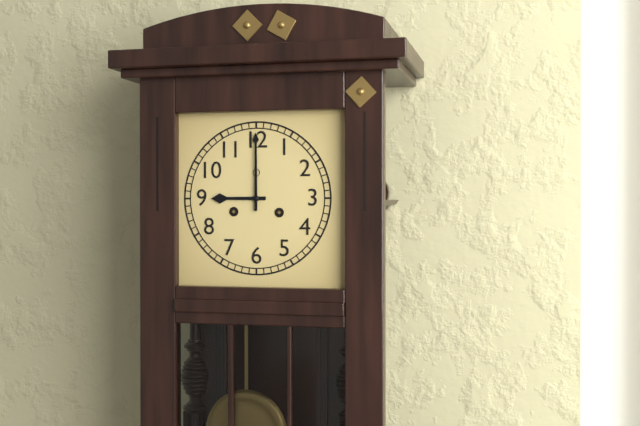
9:00
